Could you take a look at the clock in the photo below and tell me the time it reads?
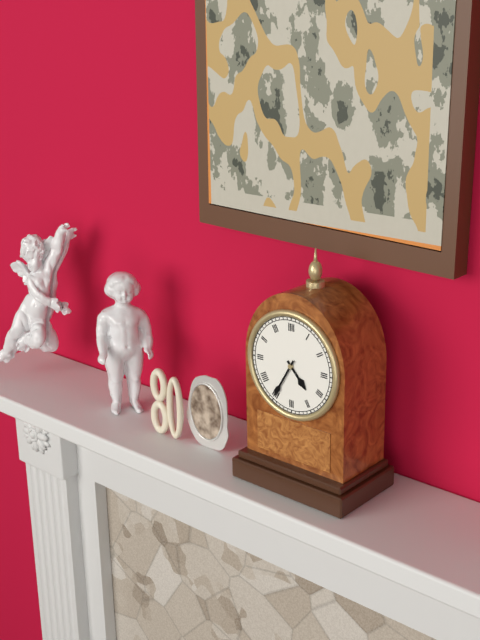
4:35
